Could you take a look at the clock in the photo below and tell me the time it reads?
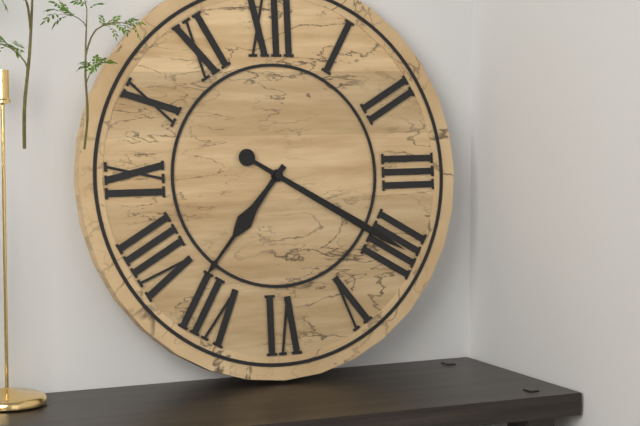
7:20
